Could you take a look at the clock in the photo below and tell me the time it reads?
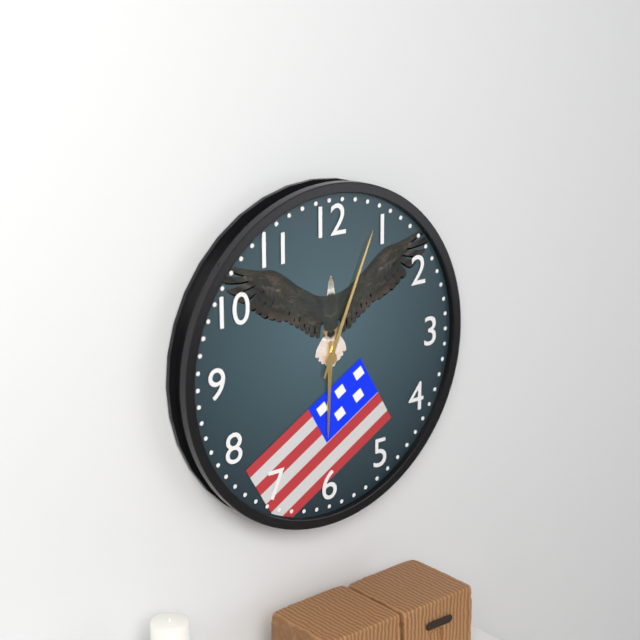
6:04
